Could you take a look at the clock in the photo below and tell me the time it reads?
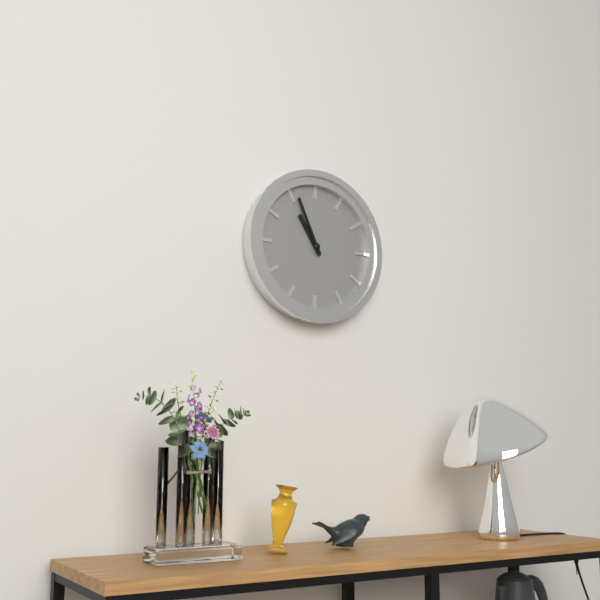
10:56
